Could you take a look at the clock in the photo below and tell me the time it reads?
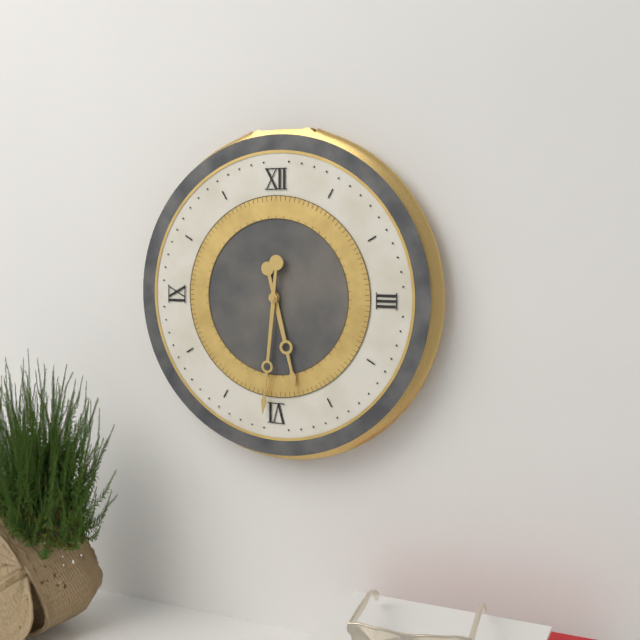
5:31
